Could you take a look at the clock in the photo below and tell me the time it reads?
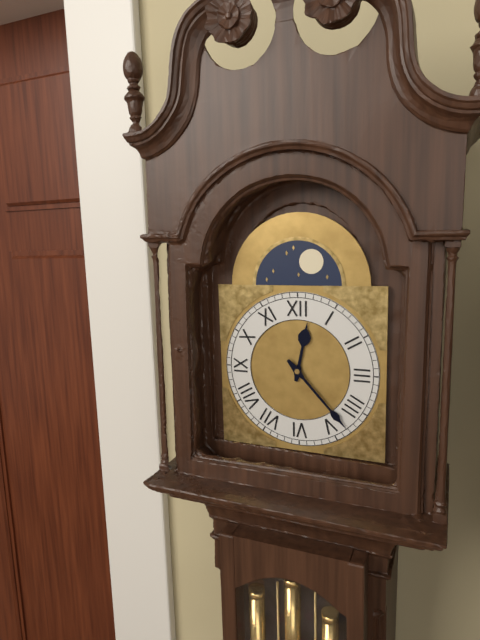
12:23
